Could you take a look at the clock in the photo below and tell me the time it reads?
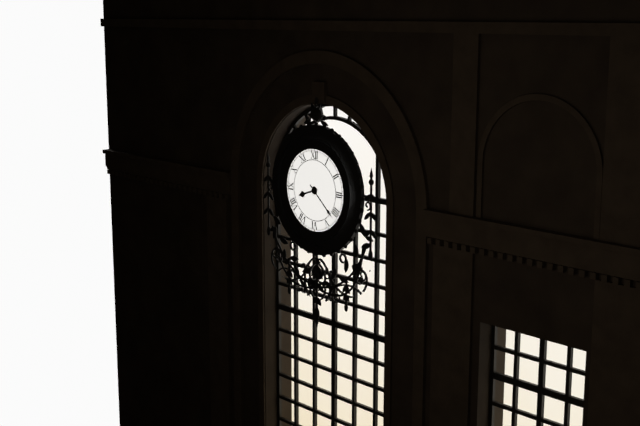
8:22
